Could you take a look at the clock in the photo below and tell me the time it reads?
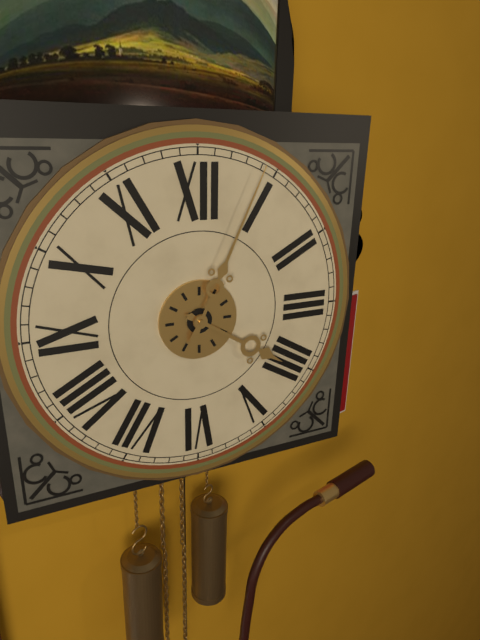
4:04
